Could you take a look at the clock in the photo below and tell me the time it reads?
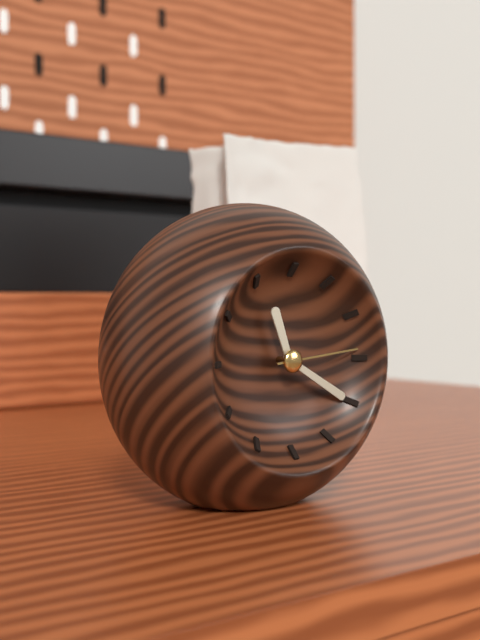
11:20:14
